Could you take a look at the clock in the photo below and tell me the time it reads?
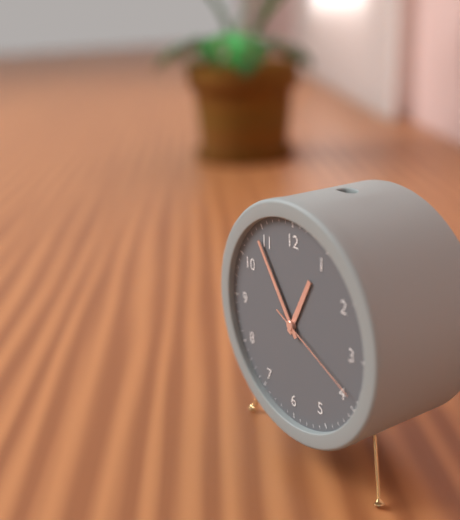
12:54:19
